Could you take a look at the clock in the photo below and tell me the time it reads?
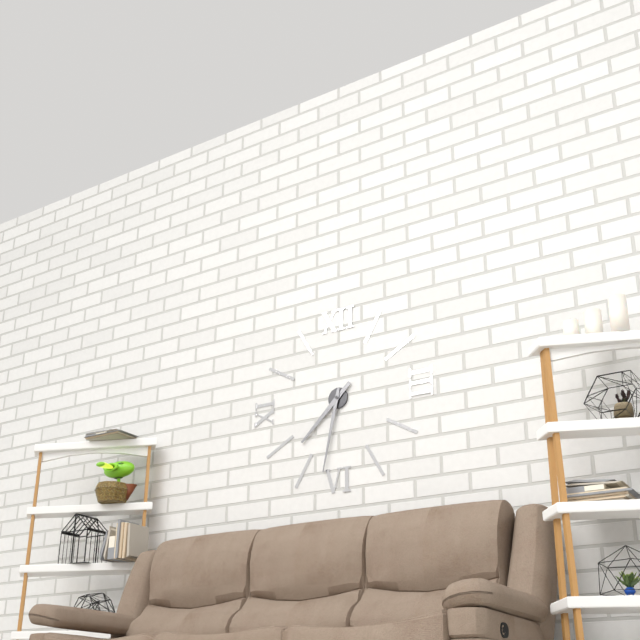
7:32
